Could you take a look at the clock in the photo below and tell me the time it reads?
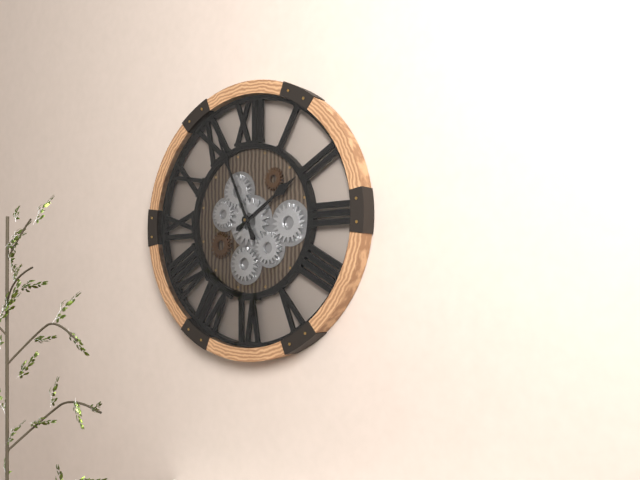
1:56
